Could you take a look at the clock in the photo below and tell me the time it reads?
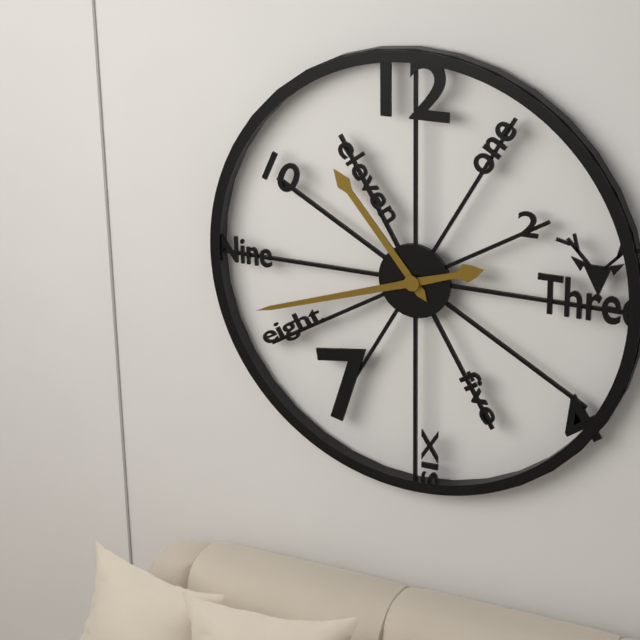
10:42
